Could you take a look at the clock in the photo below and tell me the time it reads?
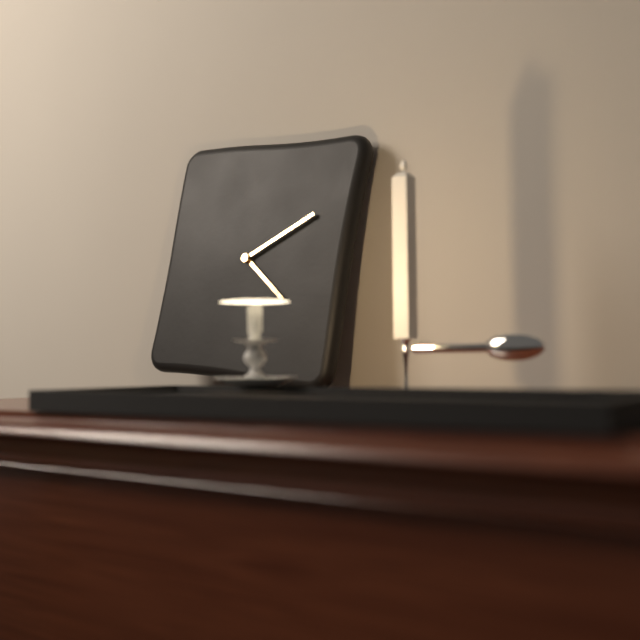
4:10
